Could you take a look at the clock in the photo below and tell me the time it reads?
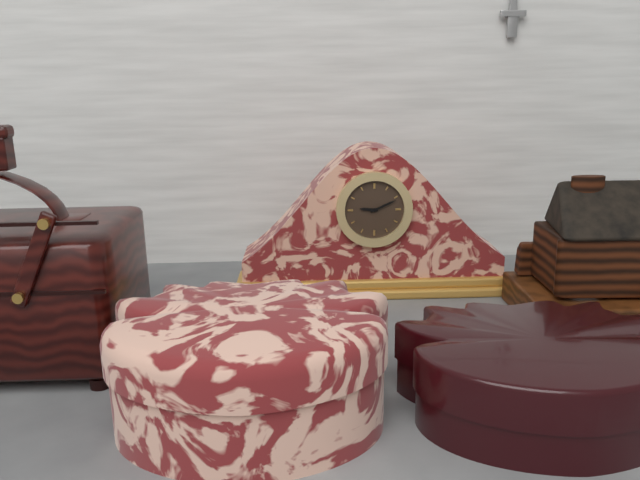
9:11
